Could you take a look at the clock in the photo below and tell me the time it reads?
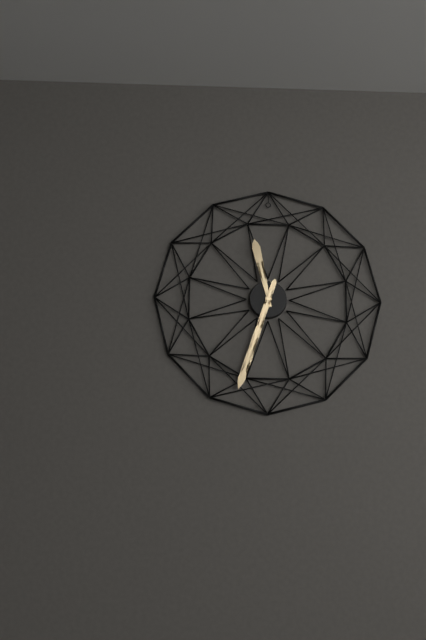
11:33
